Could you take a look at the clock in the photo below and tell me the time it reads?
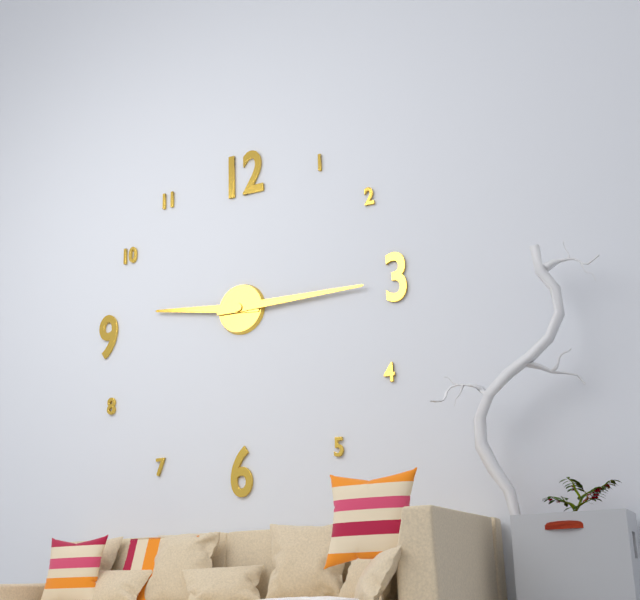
9:15
